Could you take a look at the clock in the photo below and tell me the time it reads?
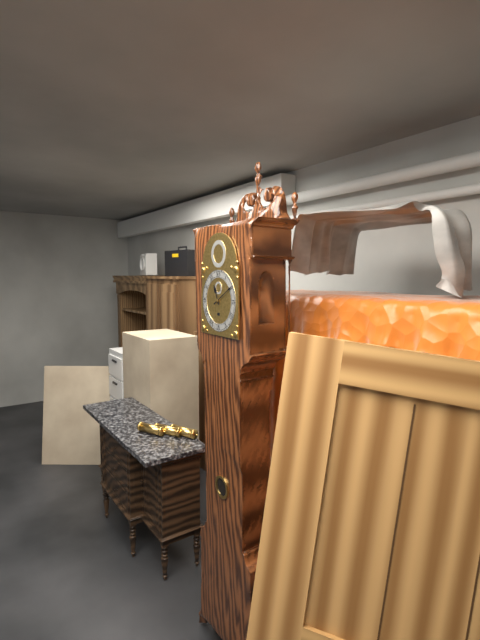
11:10
